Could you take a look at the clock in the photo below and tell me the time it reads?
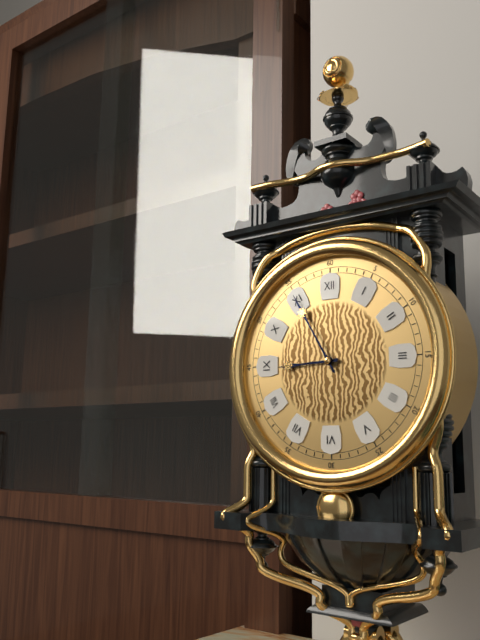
8:55
